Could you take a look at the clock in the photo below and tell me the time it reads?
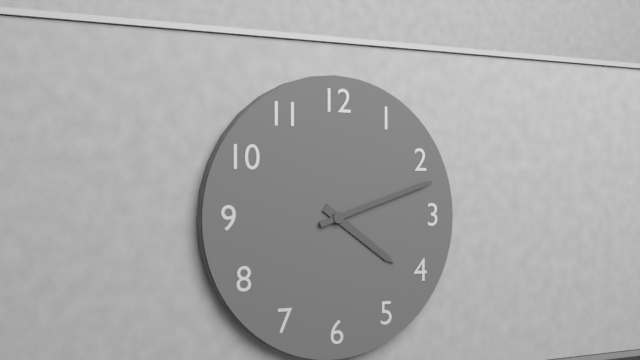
4:12
